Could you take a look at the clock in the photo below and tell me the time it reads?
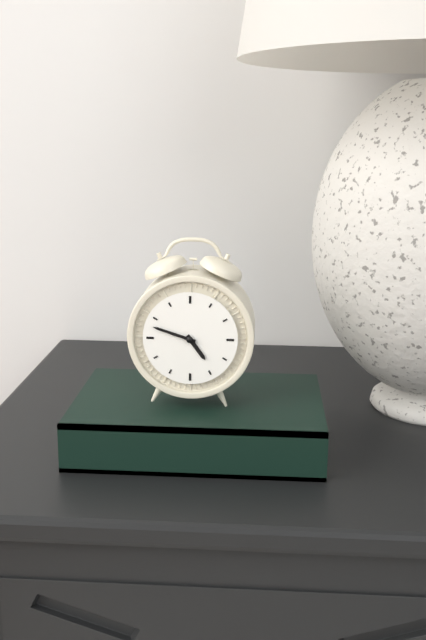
4:48
